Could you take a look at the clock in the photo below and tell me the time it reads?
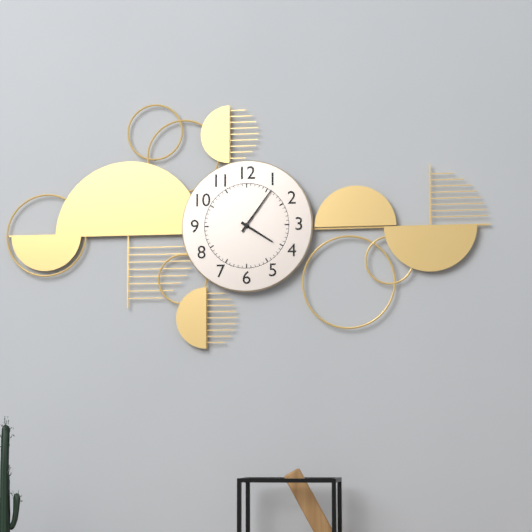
4:06
